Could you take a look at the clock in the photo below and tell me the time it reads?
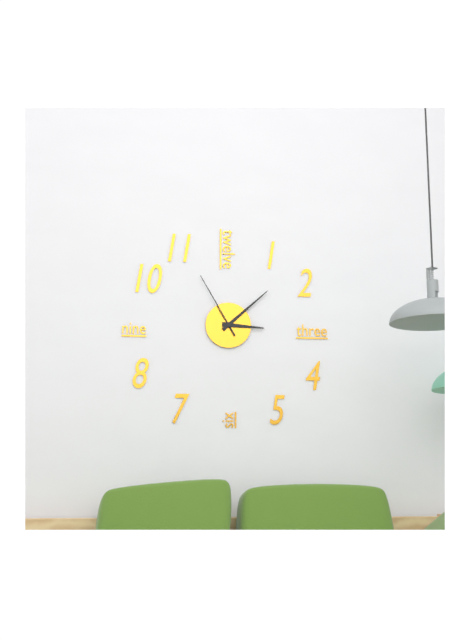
3:08:55
